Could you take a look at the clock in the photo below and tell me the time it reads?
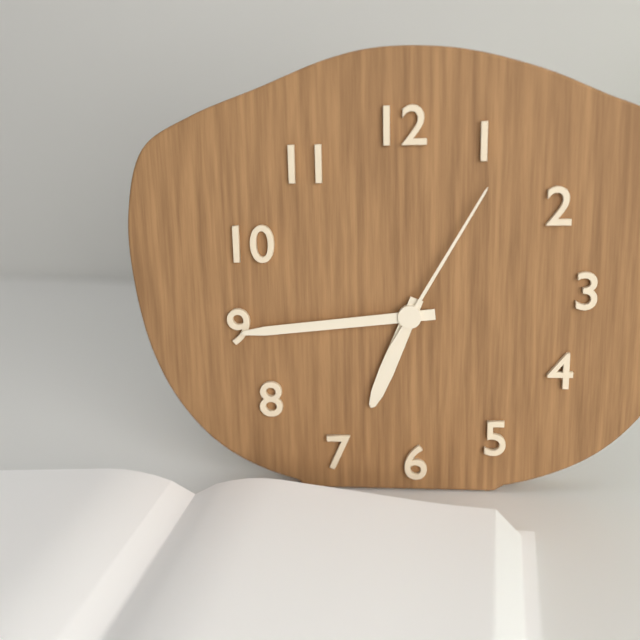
6:44:05
